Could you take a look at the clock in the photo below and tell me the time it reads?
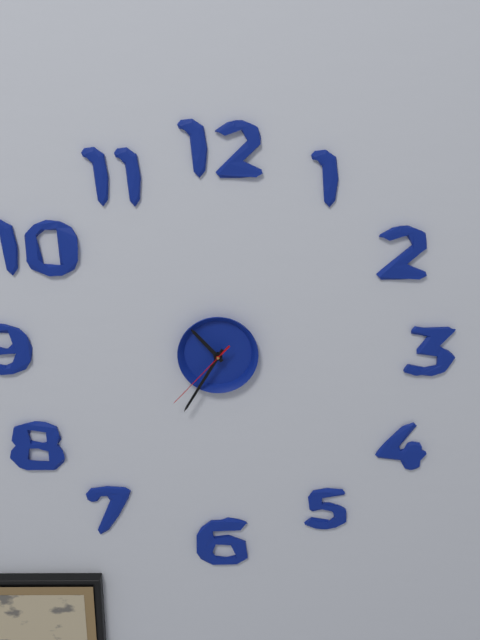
10:35:37
